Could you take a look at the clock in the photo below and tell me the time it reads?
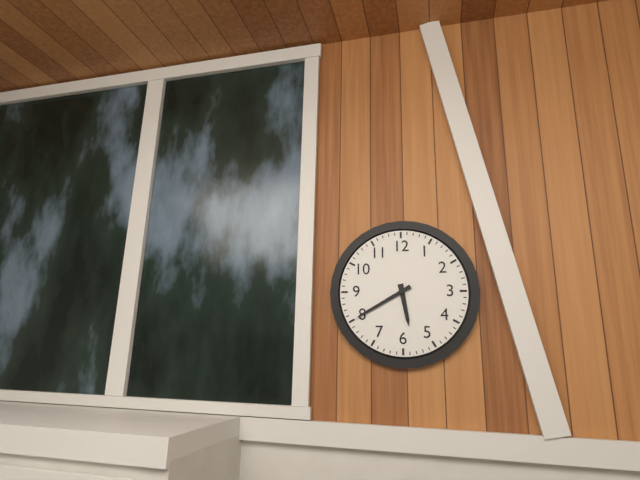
5:40
